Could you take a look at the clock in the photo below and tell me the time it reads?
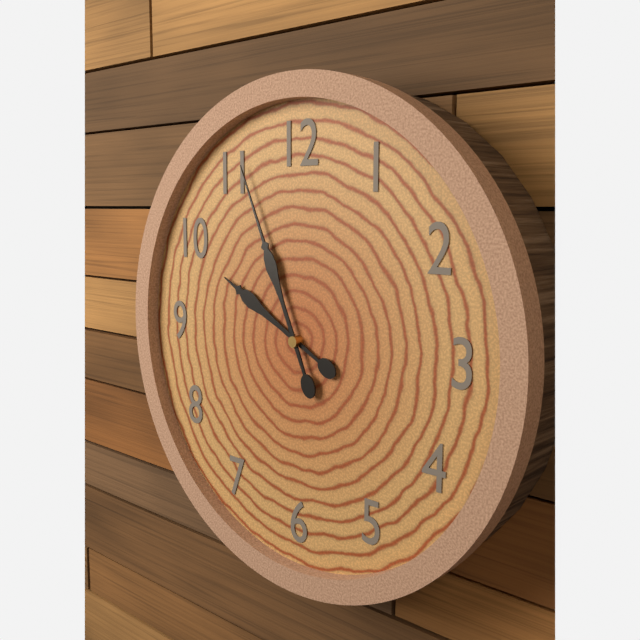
9:56
